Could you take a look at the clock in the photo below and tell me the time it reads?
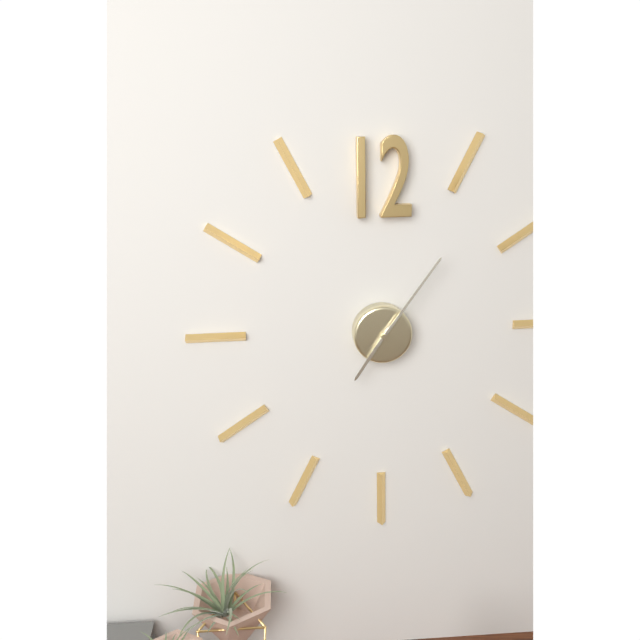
7:06
